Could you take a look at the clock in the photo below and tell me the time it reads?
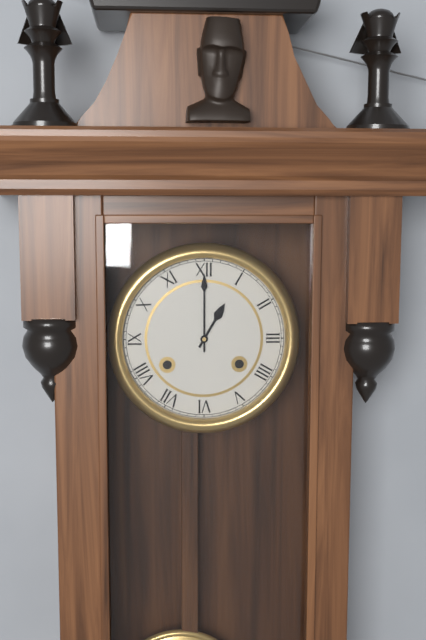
1:00
